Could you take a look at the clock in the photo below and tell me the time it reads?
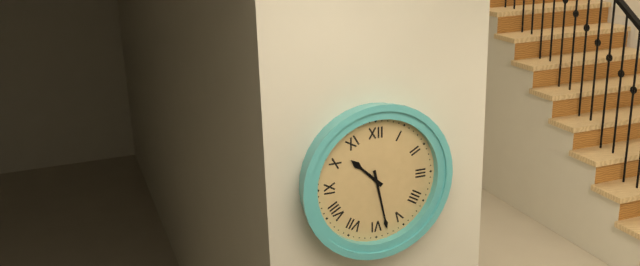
10:28
